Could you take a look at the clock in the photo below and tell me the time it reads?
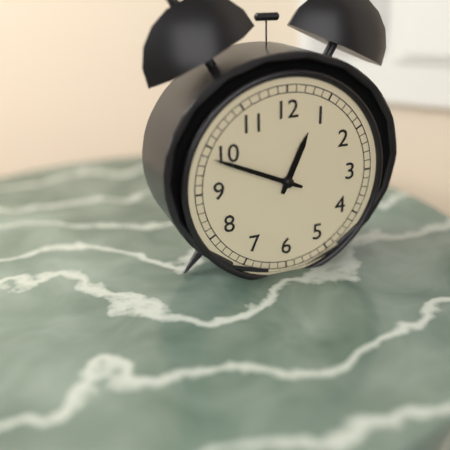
12:49
